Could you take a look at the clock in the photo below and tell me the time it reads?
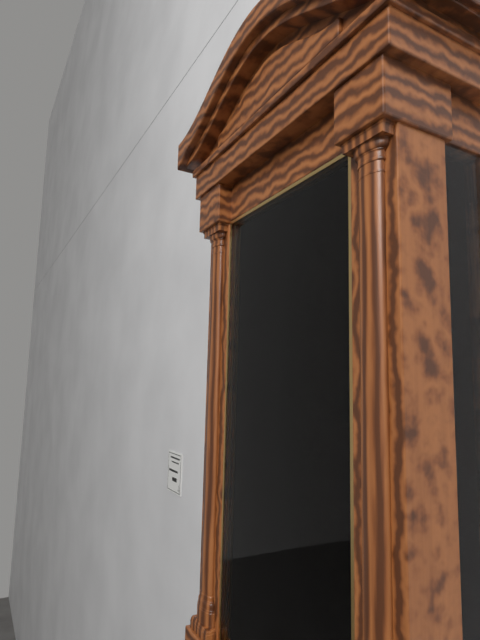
6:37
